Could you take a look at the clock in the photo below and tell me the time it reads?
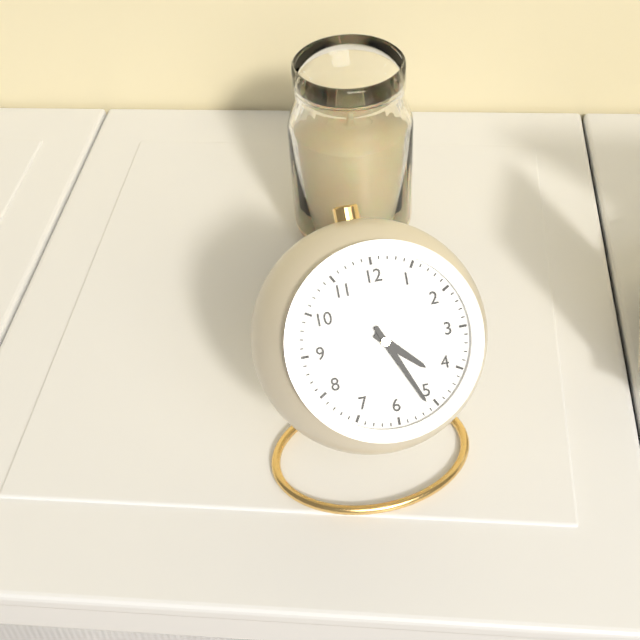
4:26
